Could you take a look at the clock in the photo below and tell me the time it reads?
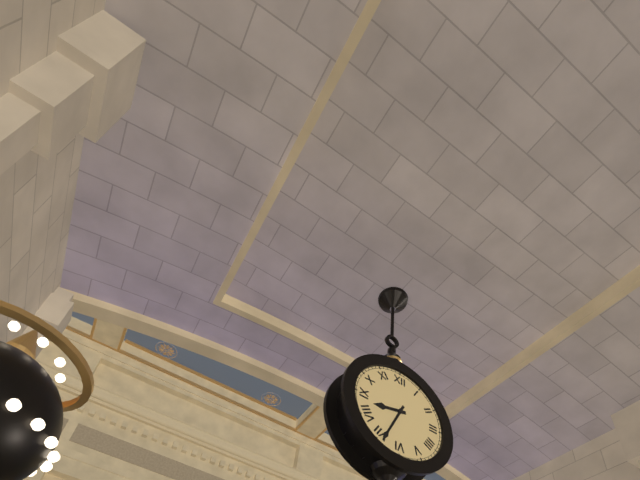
8:34
